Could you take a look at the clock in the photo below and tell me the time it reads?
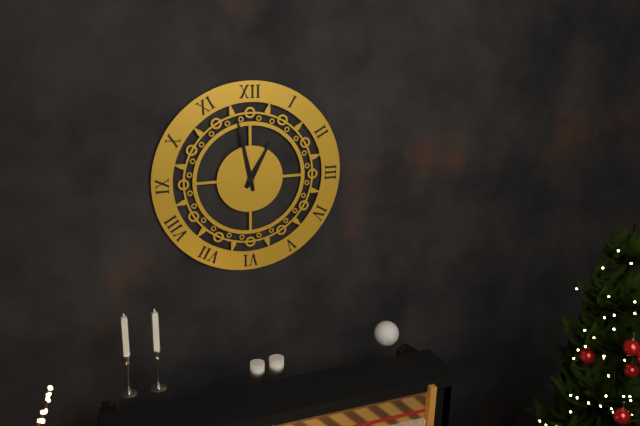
12:58
